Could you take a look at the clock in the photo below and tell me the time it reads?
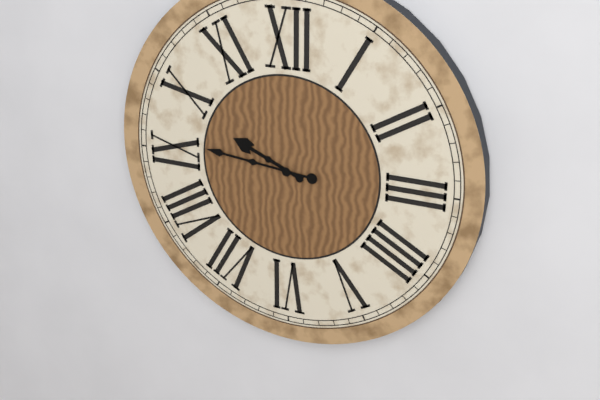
9:46
